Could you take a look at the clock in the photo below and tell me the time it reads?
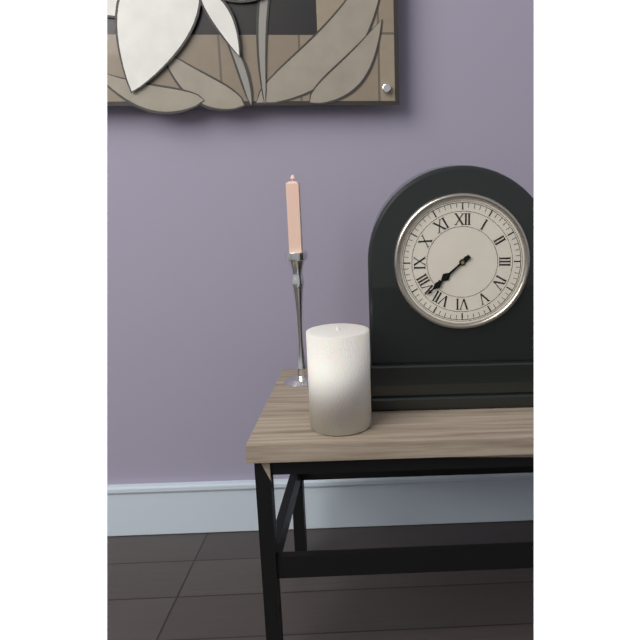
7:38
